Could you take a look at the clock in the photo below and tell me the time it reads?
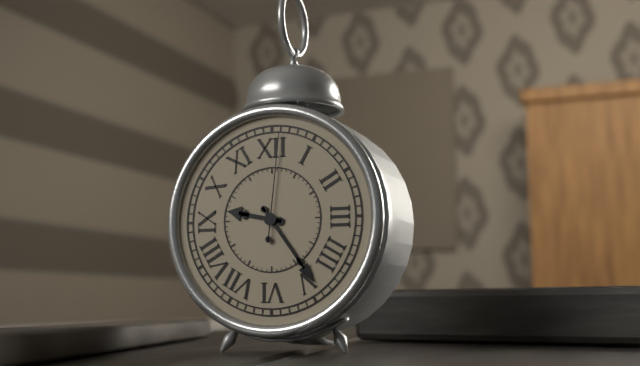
9:24:01
